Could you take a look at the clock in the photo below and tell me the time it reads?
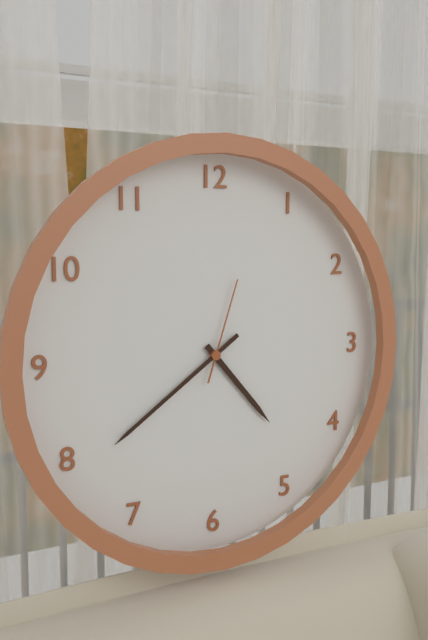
4:39:03
